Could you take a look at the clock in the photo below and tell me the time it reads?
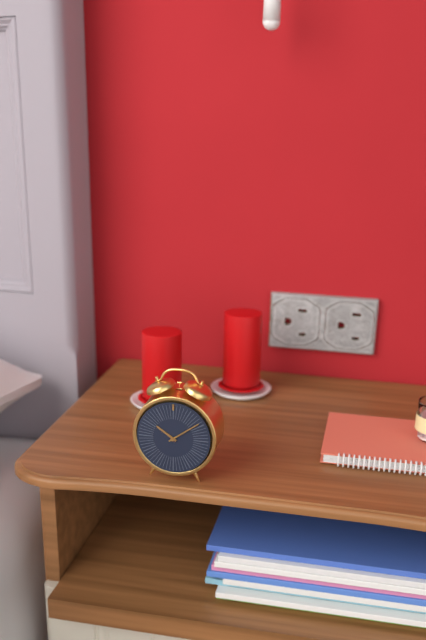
10:09
